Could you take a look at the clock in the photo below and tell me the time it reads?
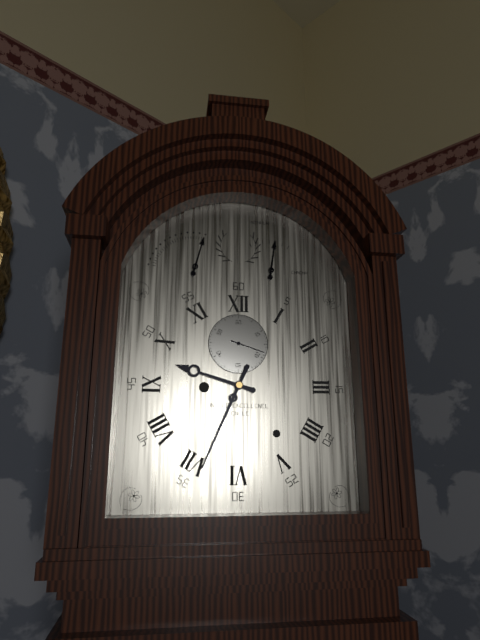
9:34
